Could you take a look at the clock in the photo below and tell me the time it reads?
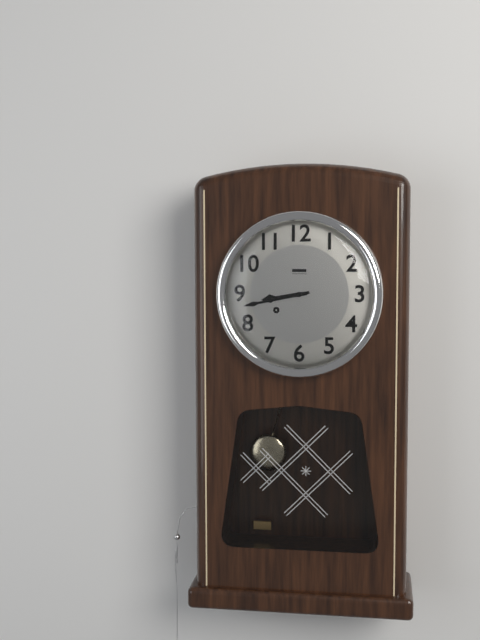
8:43
